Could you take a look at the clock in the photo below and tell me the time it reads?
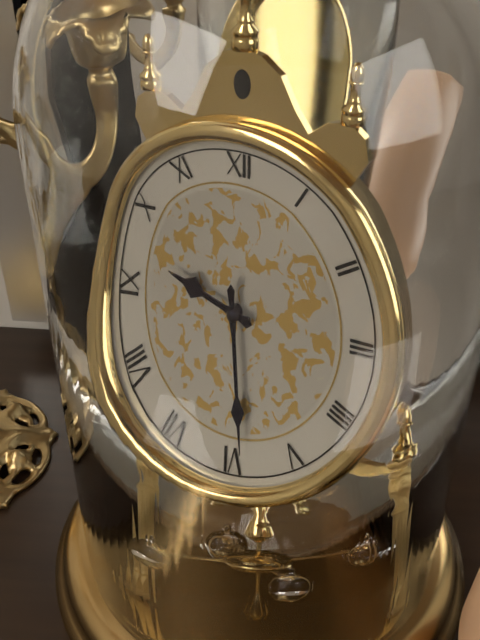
9:29
